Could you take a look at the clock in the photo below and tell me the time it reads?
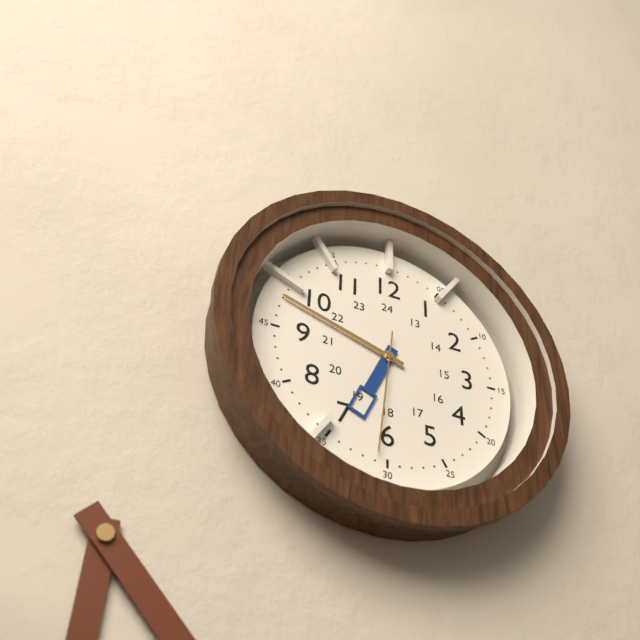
6:48:31
